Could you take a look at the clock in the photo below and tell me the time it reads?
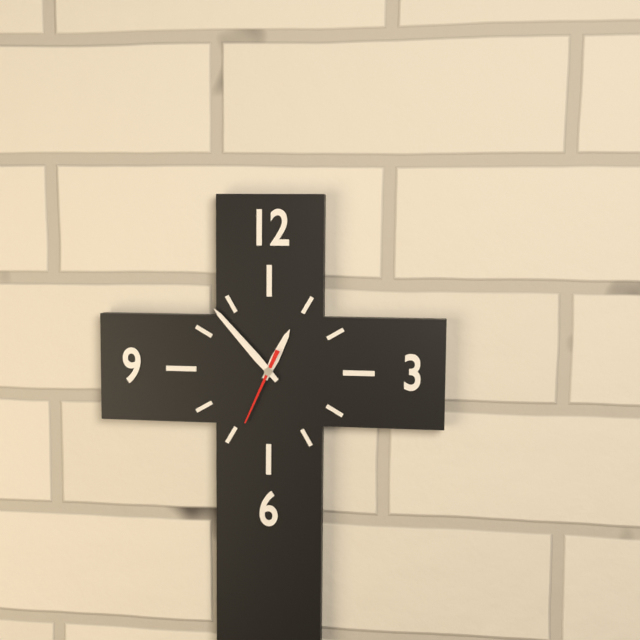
12:53:34
